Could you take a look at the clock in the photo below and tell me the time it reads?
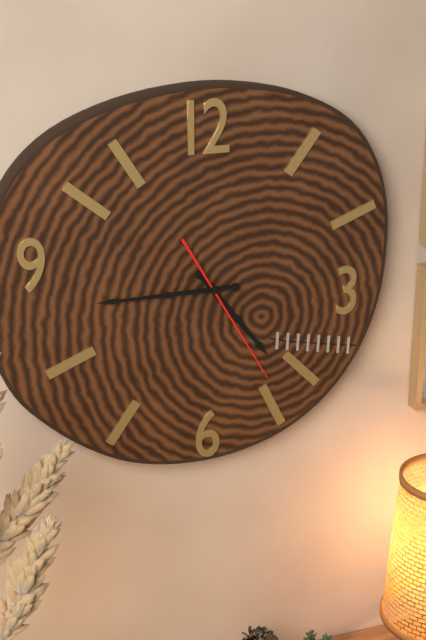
4:45:25
